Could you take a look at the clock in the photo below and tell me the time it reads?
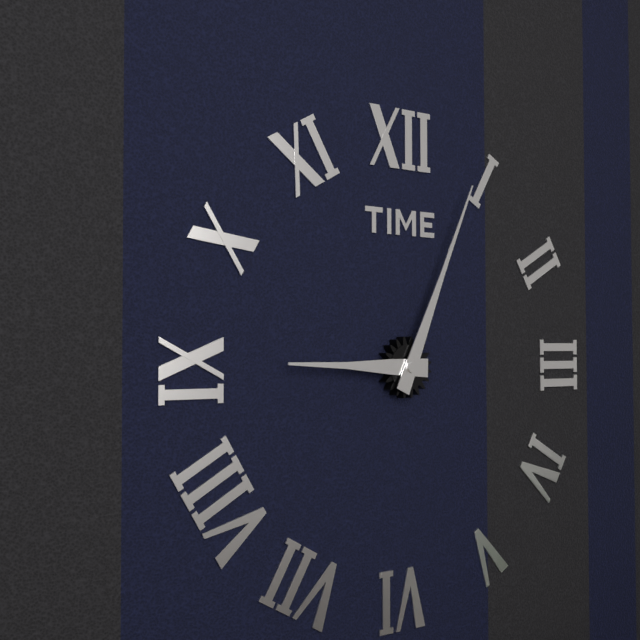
9:04
